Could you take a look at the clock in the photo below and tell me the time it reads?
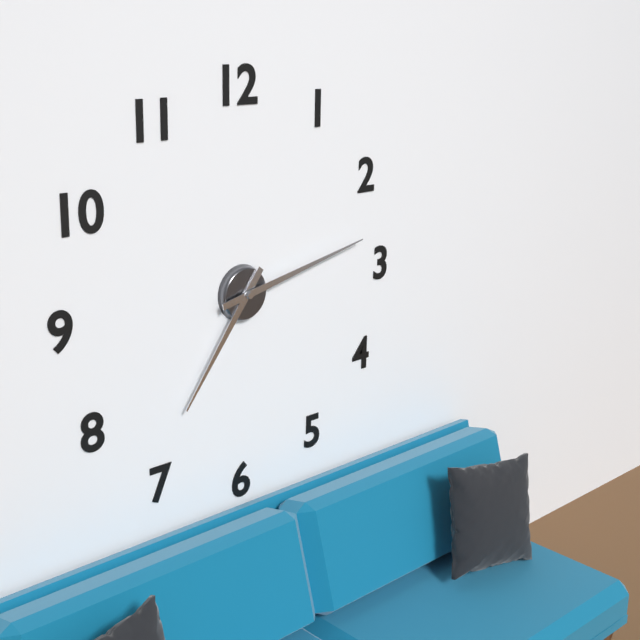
7:13
